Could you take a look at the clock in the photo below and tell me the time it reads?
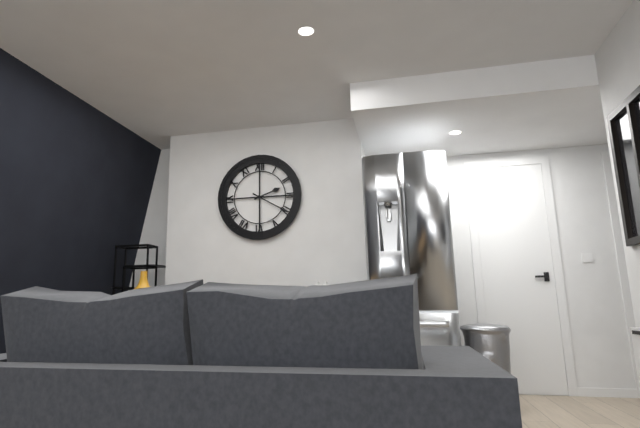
2:20
